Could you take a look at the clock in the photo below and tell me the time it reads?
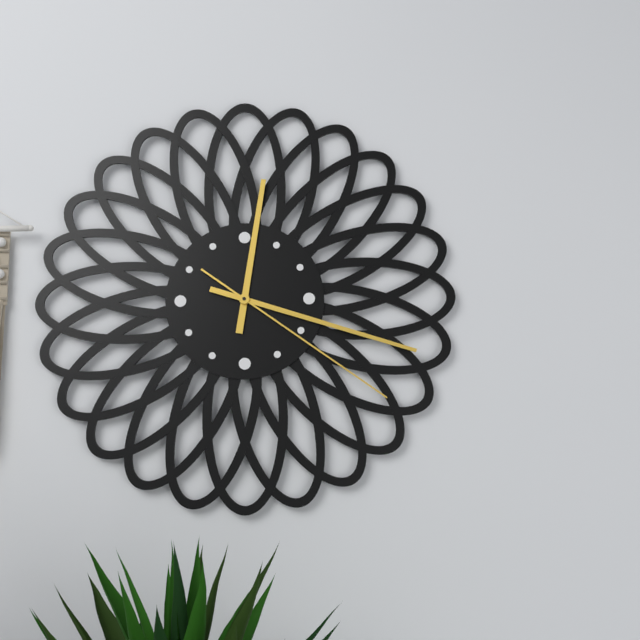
12:18:21
